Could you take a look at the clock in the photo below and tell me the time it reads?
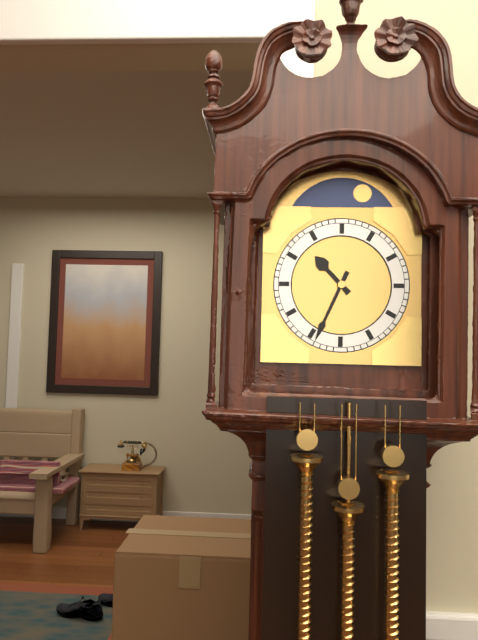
10:34
